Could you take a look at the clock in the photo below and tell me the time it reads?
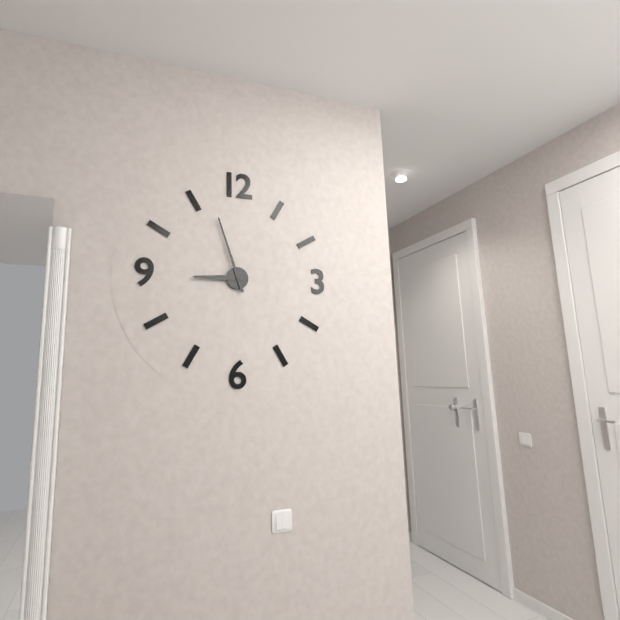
8:57
